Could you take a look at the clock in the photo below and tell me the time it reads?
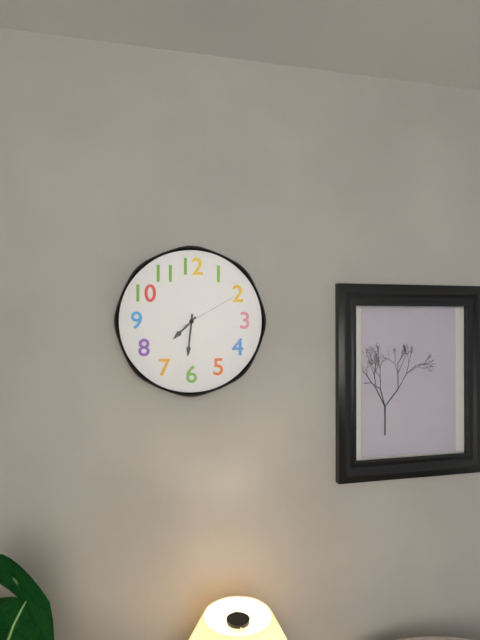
7:31:10
